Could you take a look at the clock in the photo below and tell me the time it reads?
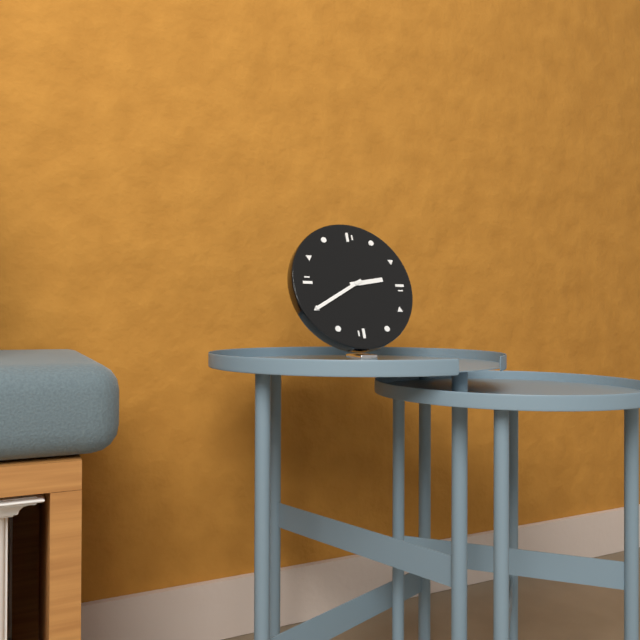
2:40
